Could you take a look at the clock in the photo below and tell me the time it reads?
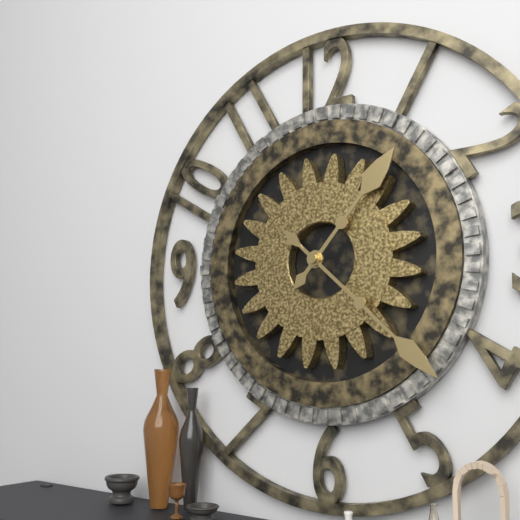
1:22
